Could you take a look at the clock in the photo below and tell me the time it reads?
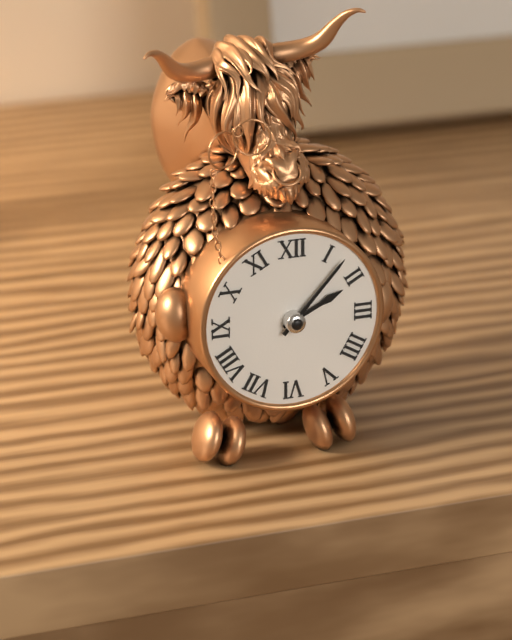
2:07
